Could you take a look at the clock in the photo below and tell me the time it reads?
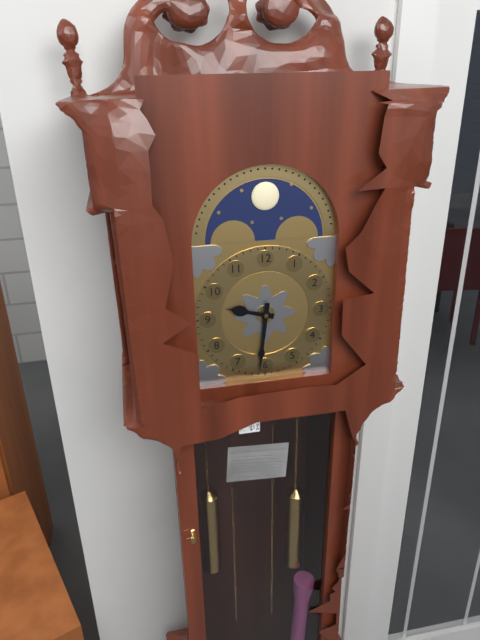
9:31
